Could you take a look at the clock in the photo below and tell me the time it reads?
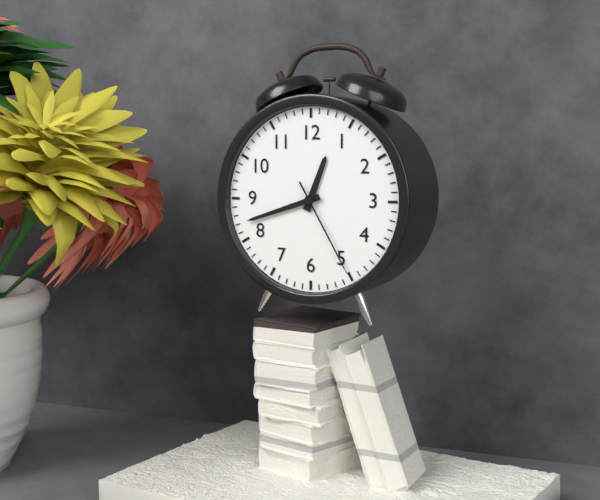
12:42:25
